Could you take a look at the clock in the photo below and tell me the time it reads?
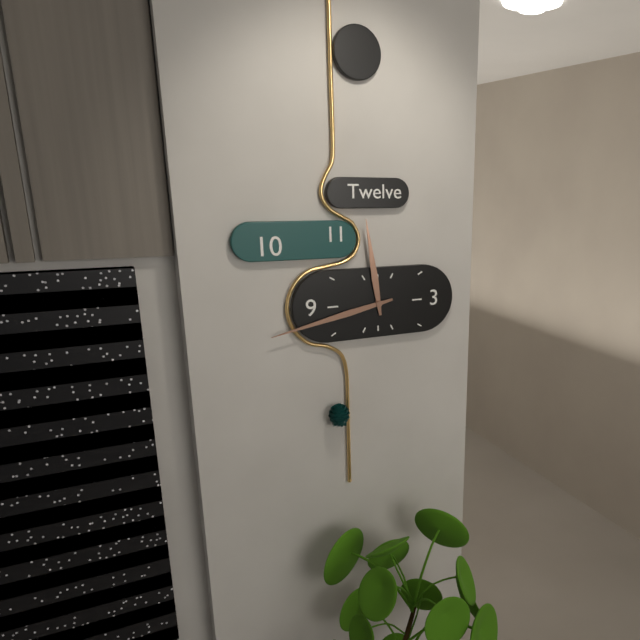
11:43
